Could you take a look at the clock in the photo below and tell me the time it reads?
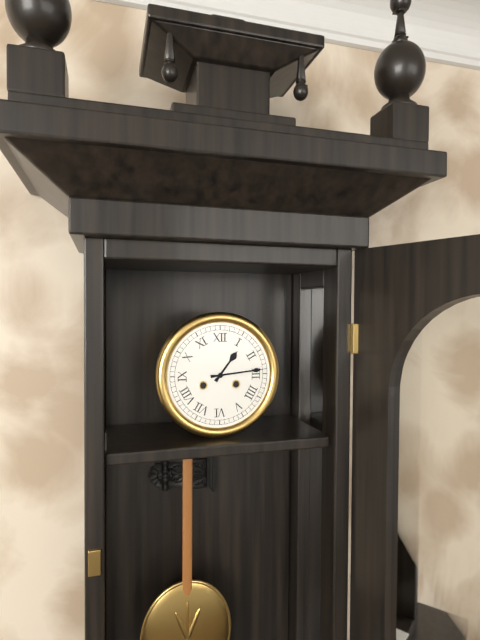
1:14
